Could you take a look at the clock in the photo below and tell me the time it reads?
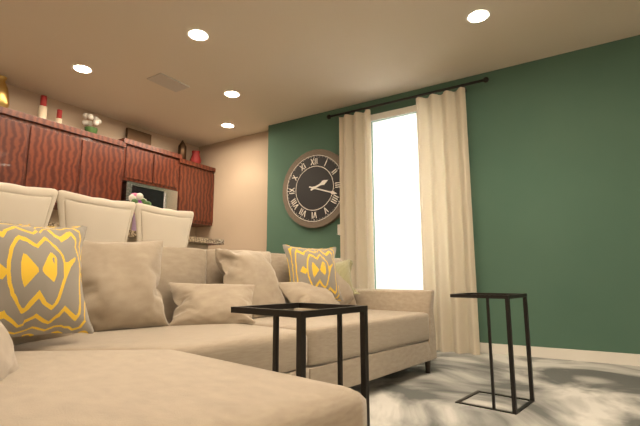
2:18
